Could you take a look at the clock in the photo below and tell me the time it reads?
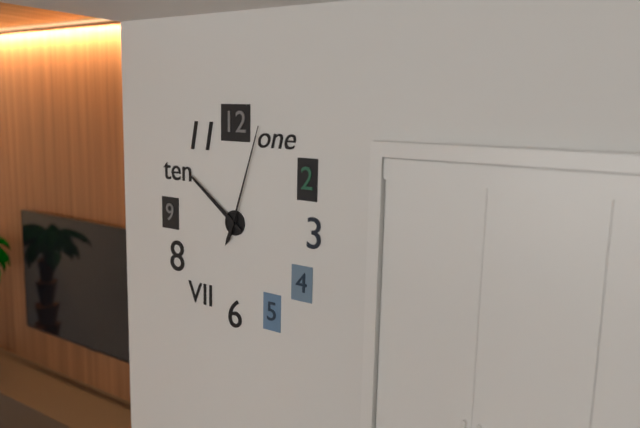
6:51:03
